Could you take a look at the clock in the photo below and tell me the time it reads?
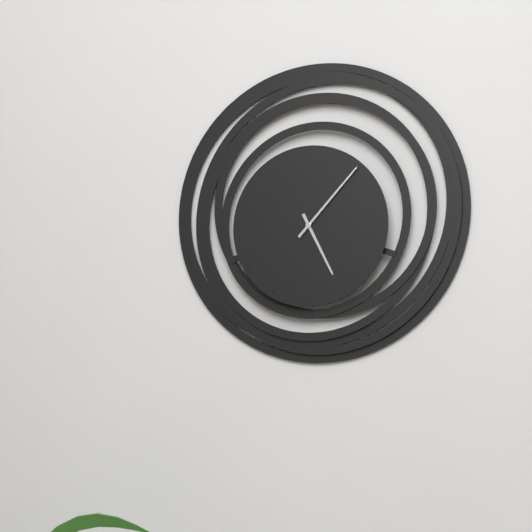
5:07
